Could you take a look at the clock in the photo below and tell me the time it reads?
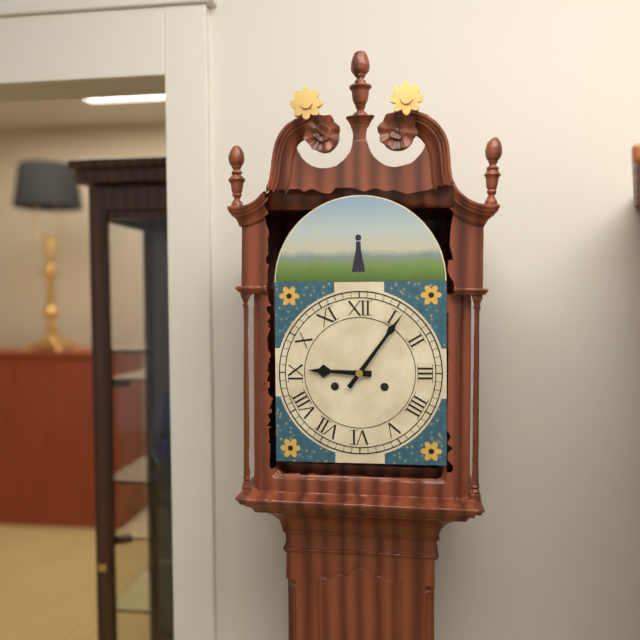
9:06
